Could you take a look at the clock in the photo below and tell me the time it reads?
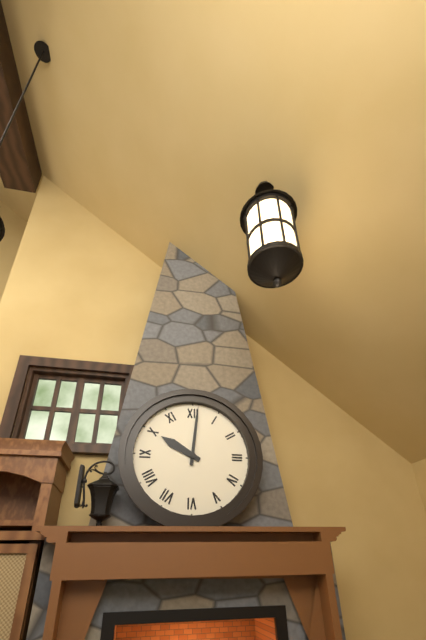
10:01
